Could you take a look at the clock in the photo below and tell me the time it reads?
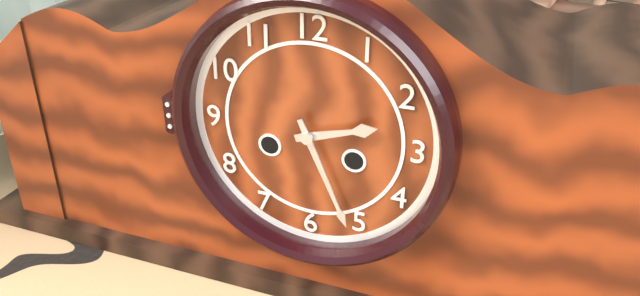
2:26
